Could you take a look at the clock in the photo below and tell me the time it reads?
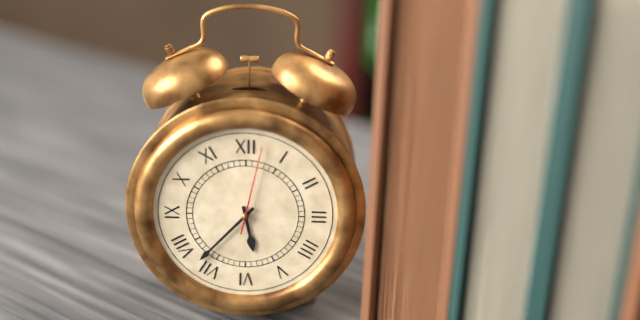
5:37:02
